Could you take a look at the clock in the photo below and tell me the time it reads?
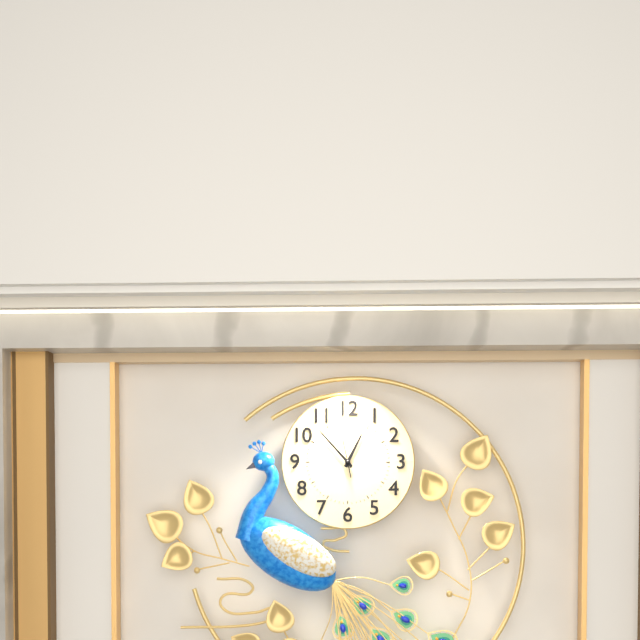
12:53:58
